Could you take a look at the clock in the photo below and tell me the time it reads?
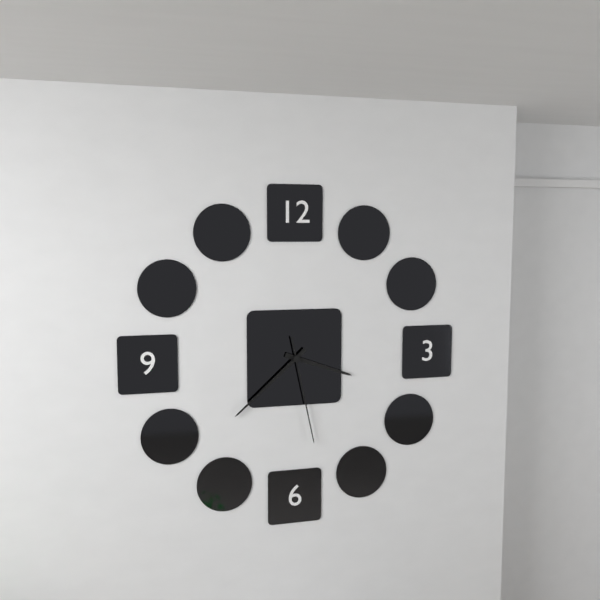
3:38:28
